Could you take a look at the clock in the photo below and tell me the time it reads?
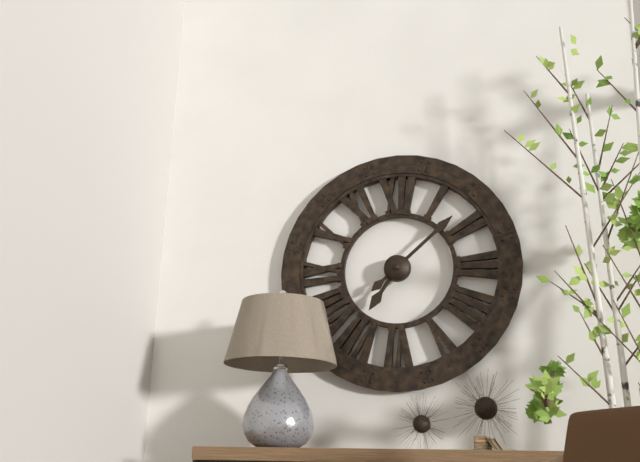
7:08
